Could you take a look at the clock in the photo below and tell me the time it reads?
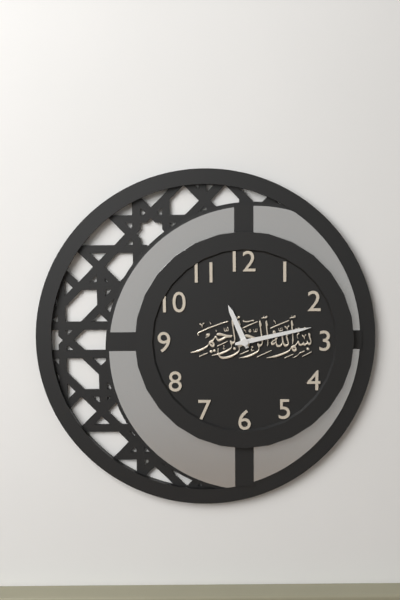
11:13
